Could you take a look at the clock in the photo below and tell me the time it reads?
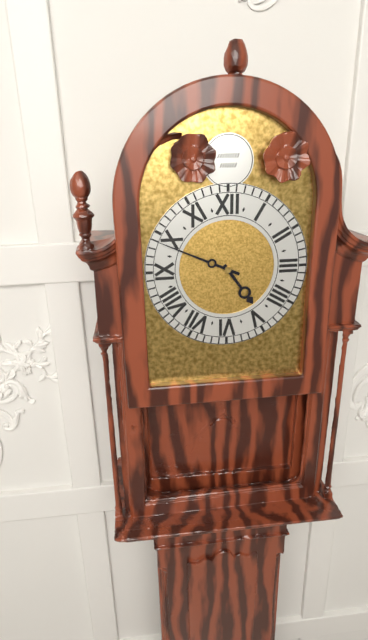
4:49
